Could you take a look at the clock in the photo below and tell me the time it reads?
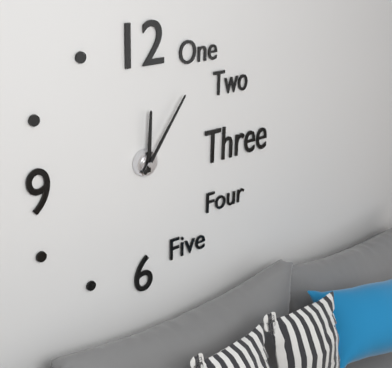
12:06
